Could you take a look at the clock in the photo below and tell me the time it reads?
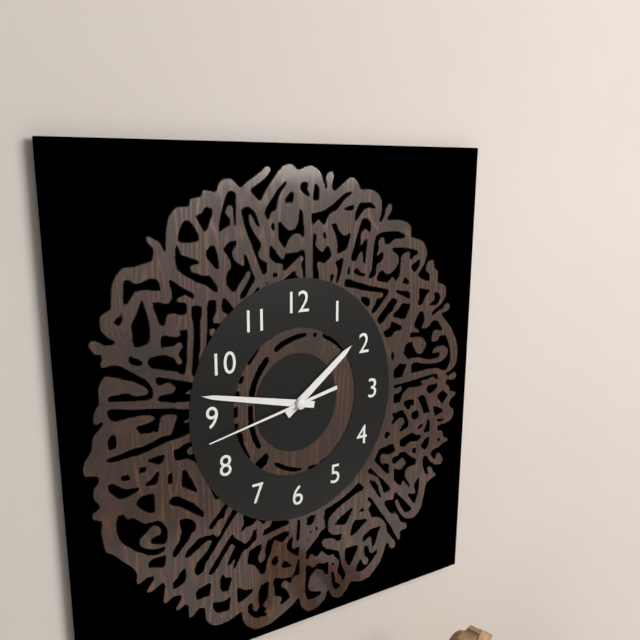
1:47:43
